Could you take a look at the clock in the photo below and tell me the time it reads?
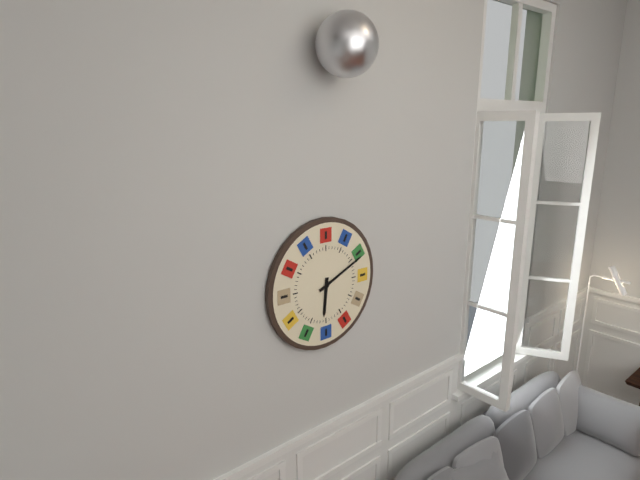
6:11
